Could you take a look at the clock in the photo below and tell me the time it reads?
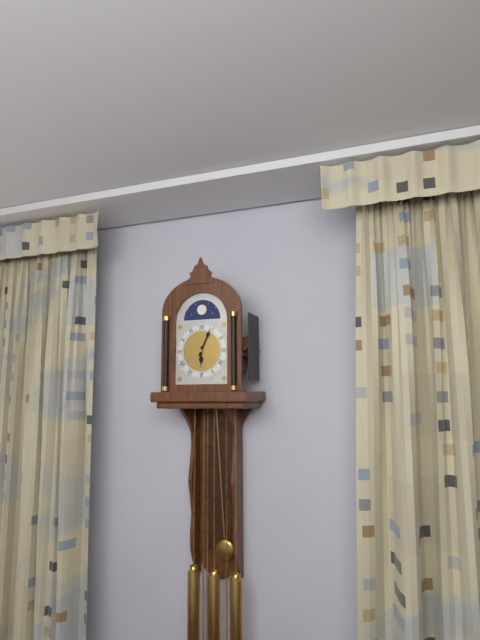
6:04
